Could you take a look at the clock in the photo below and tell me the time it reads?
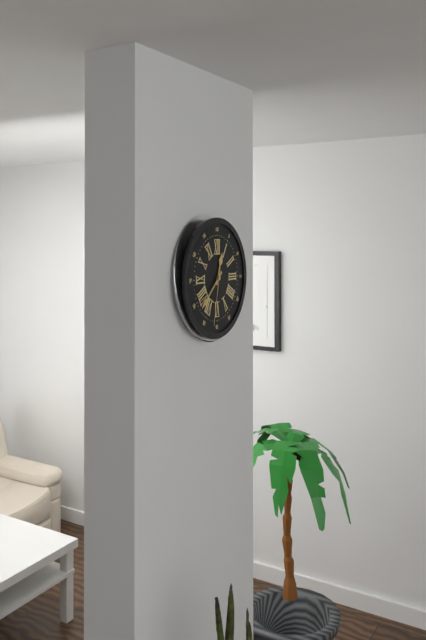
12:38:32
